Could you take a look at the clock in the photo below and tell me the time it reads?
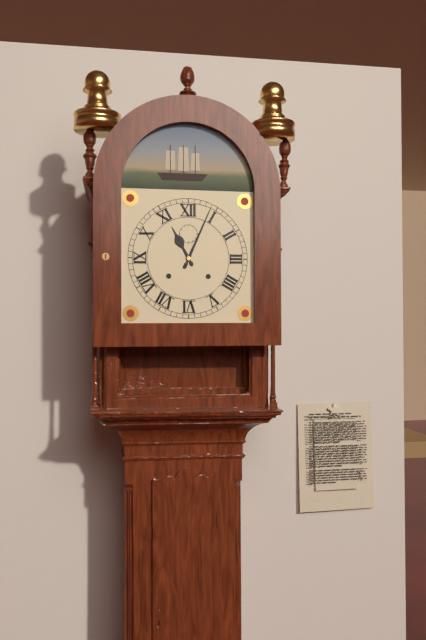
11:04
